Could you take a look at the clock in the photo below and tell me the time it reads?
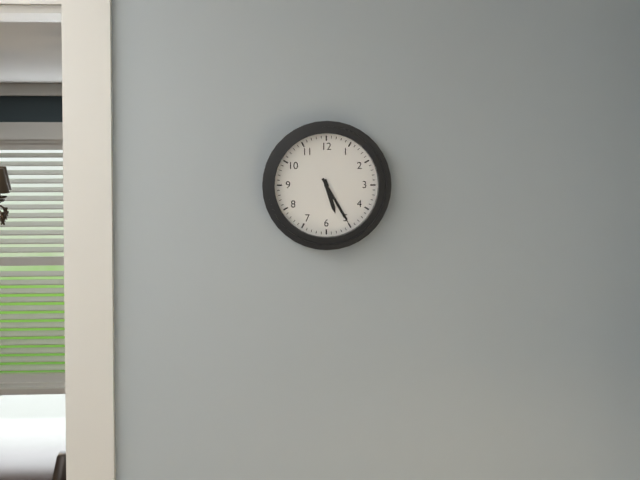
5:25
